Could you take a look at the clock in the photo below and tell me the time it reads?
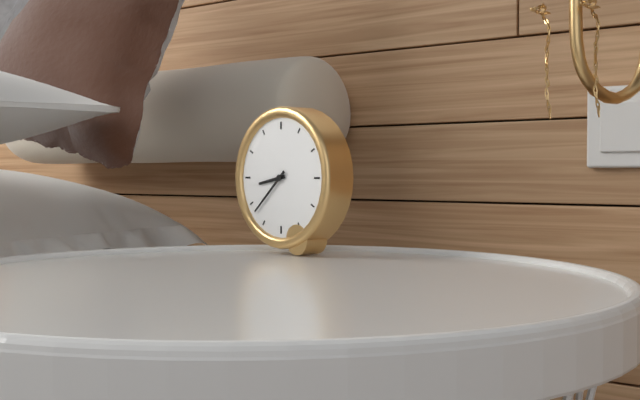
8:38
